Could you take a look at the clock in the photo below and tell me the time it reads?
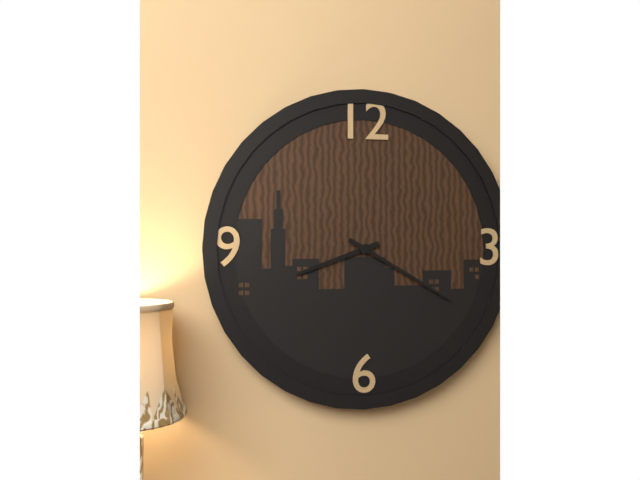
8:20
